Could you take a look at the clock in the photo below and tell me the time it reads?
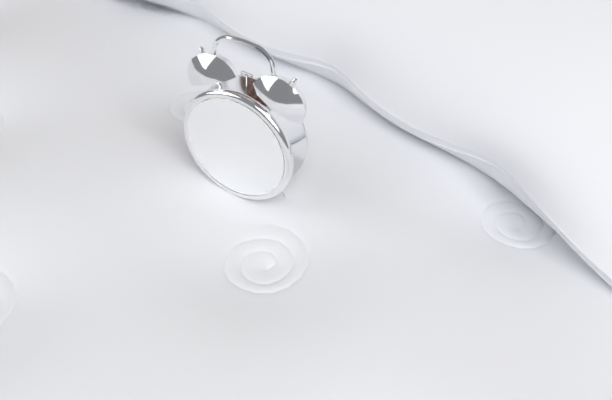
12:03
